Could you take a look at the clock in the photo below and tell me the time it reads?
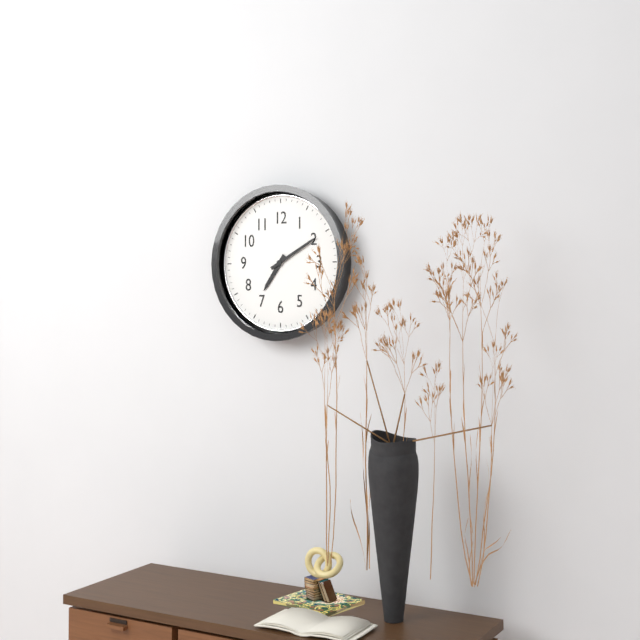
7:10
